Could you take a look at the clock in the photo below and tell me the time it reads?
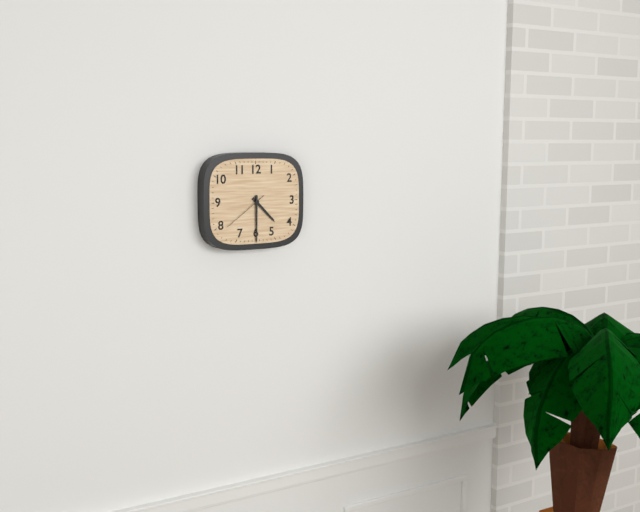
4:30
